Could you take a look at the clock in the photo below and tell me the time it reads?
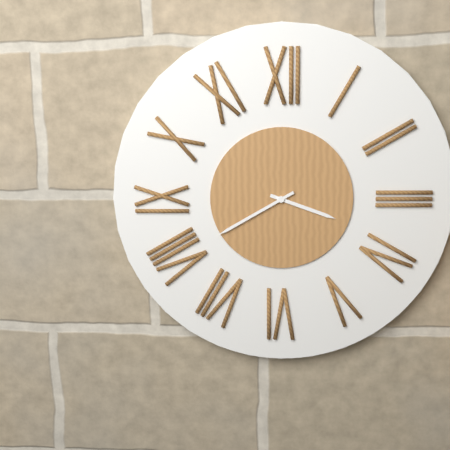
3:40
